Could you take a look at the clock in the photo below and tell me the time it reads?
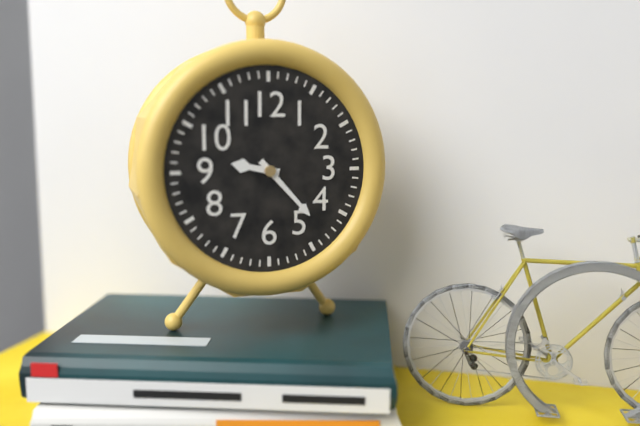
9:23
